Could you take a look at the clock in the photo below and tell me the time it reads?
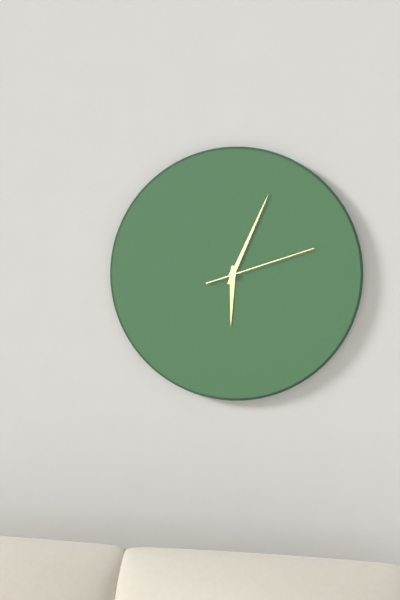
6:04:12
